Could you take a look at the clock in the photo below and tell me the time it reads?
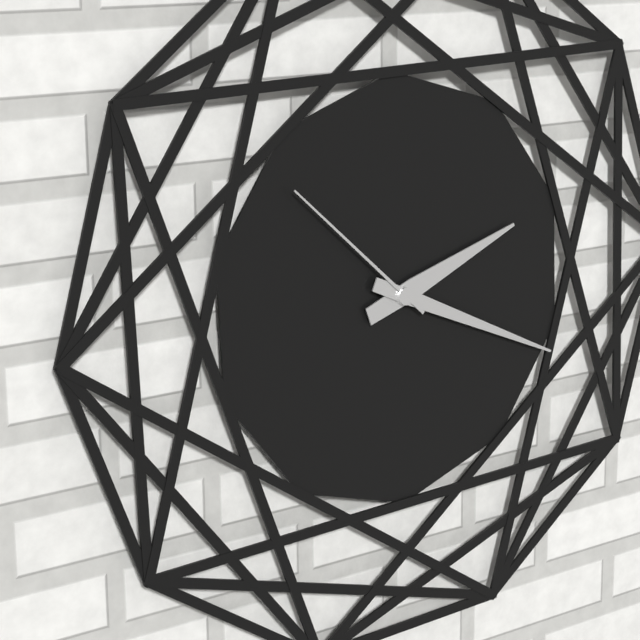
2:19:52
